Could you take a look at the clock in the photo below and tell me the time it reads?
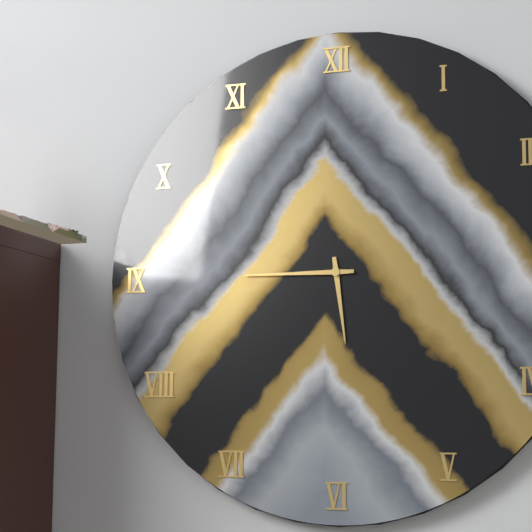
5:45
